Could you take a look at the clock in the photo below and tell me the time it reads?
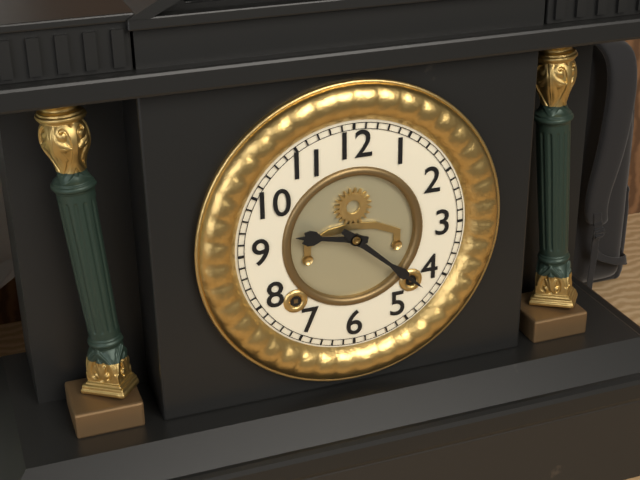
9:22
